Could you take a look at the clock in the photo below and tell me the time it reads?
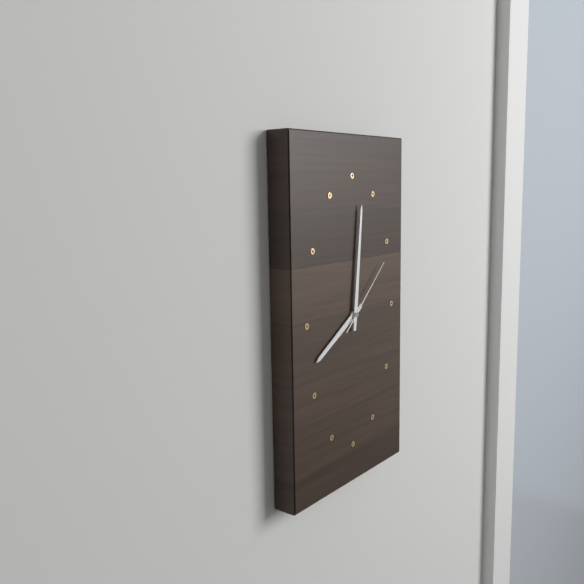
8:01:08
